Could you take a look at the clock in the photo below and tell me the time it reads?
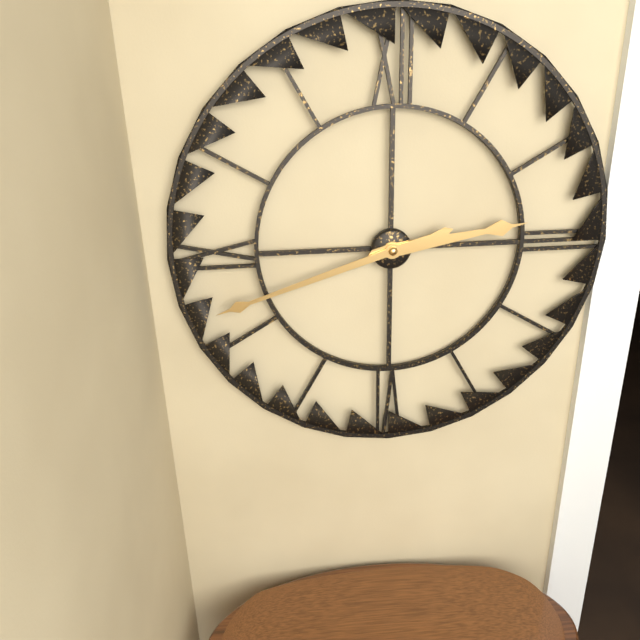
2:42
